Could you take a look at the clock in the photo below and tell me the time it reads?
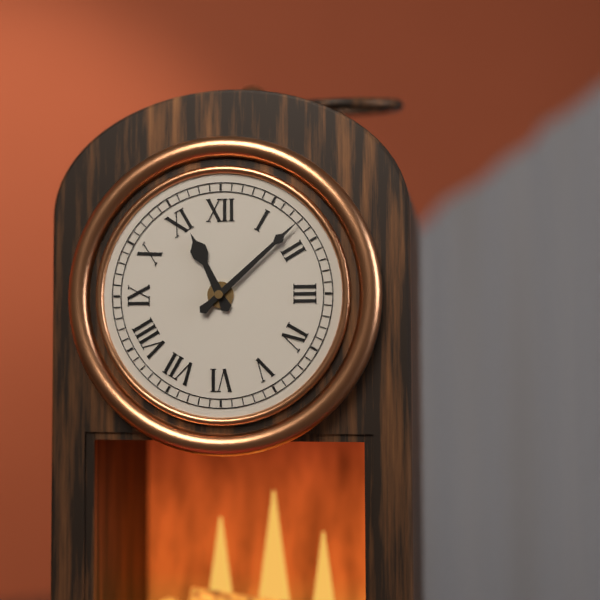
11:08
